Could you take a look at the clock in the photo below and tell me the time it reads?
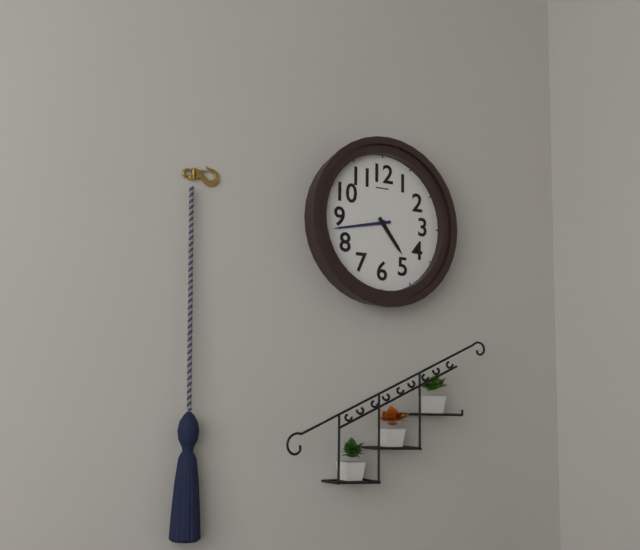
4:43
